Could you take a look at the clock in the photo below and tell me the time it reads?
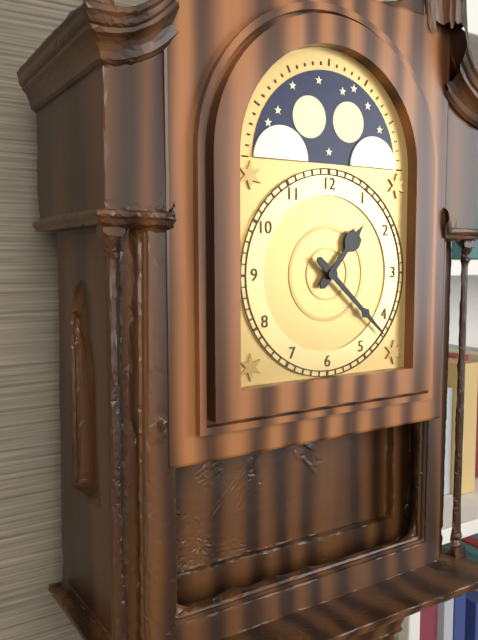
1:22
